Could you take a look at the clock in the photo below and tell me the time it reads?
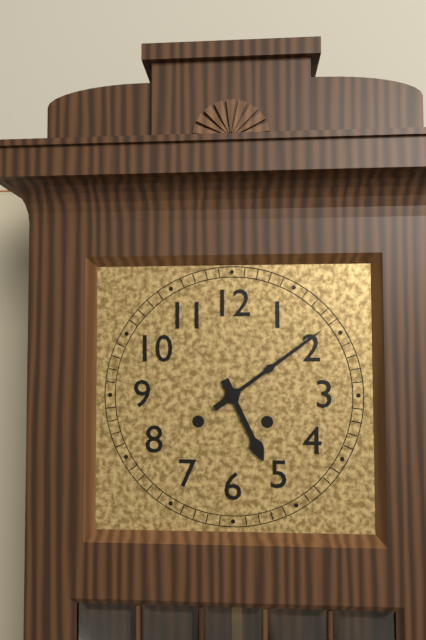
5:09
